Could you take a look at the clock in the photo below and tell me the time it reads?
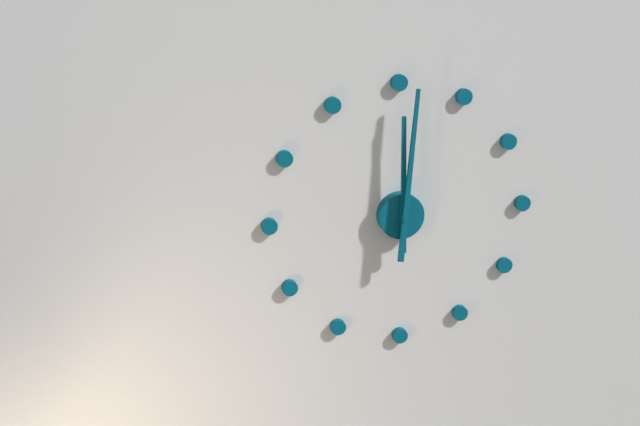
12:01
